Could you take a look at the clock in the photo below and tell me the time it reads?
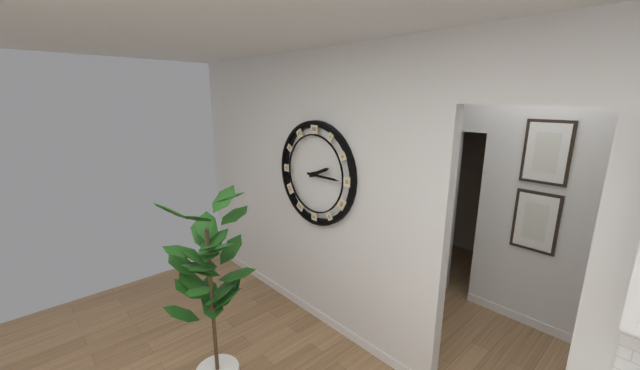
2:15
